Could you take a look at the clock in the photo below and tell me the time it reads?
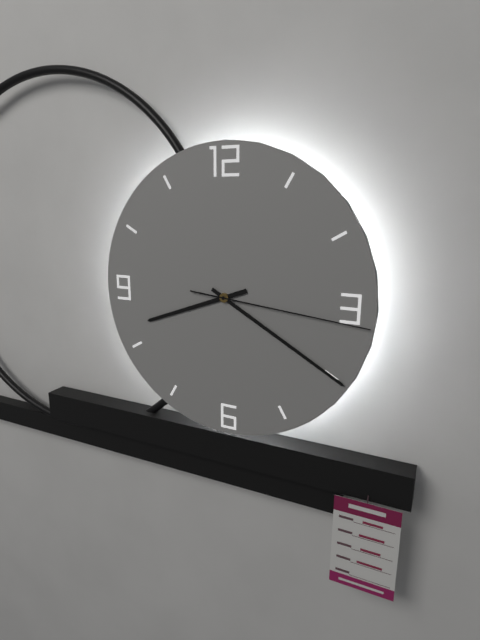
8:20:16
